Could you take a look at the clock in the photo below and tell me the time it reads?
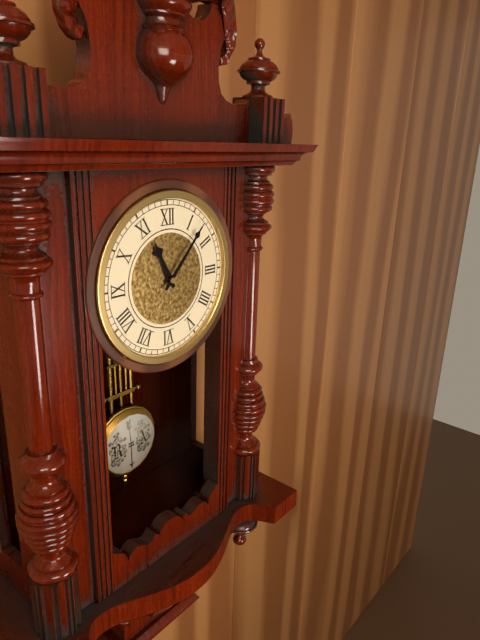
11:07
